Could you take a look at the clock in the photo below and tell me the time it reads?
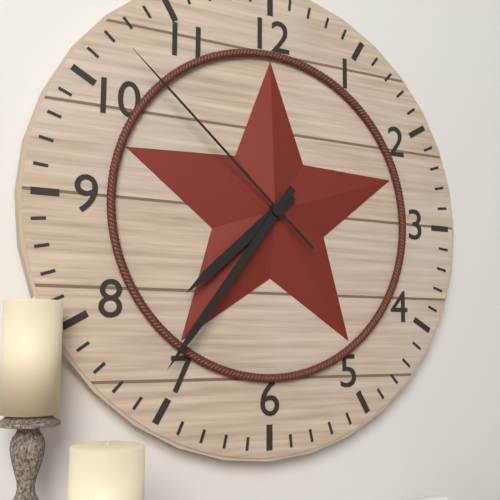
7:36:52
